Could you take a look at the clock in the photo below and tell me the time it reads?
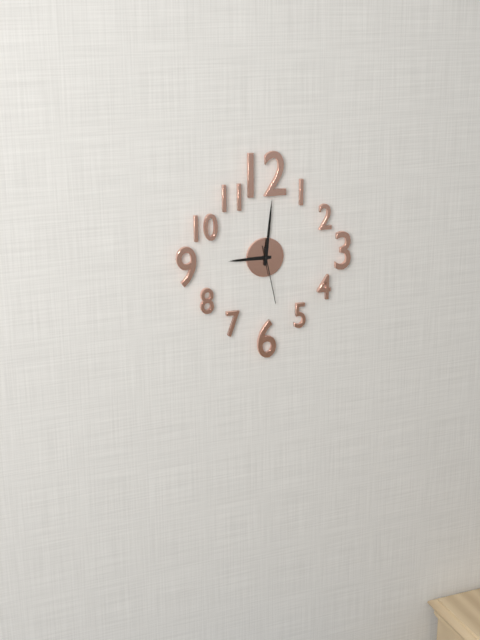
9:01:28
